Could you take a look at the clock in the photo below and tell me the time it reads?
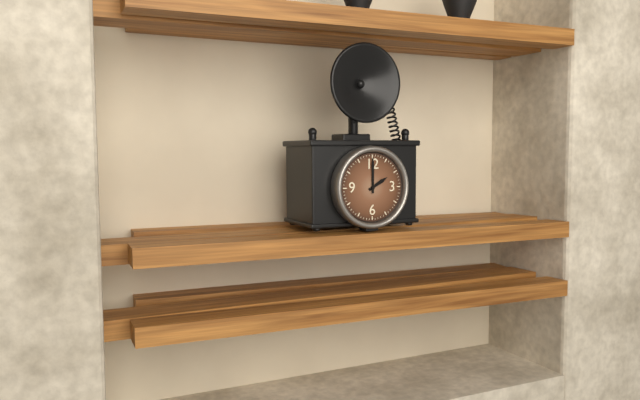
2:00
